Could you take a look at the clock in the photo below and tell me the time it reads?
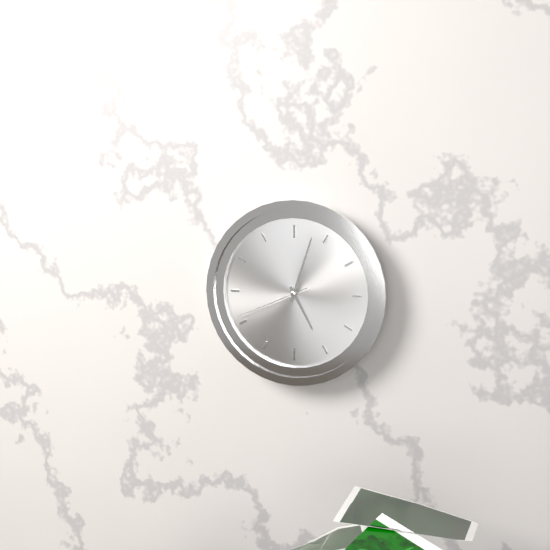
5:03:41
